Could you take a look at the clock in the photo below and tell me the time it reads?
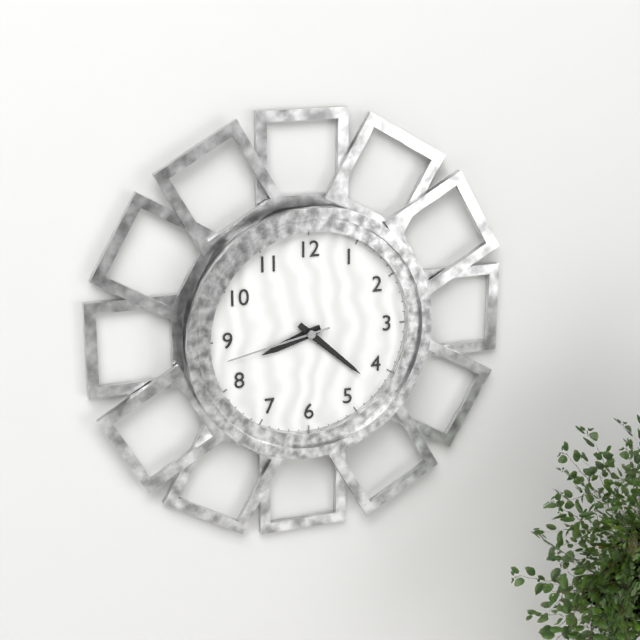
8:22:43
